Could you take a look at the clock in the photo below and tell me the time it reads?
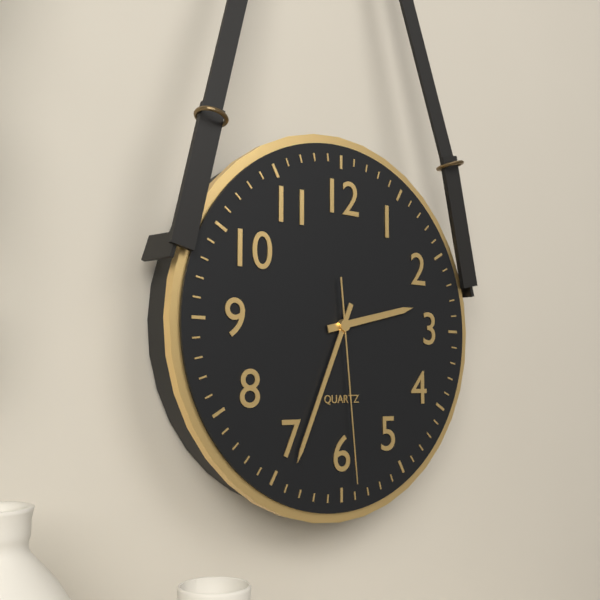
2:34:29
